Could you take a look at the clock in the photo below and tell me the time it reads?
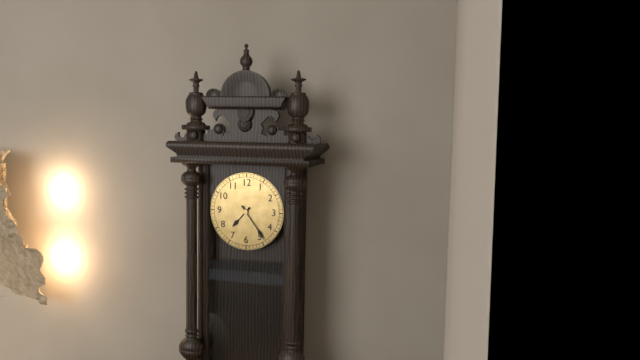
7:24
